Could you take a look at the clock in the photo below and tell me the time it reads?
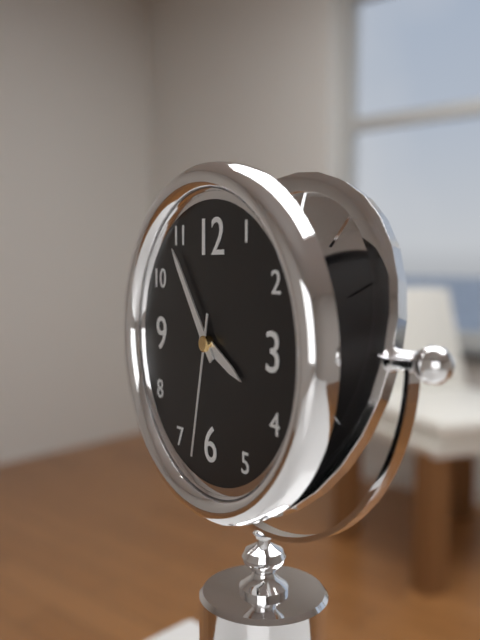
3:54:32
